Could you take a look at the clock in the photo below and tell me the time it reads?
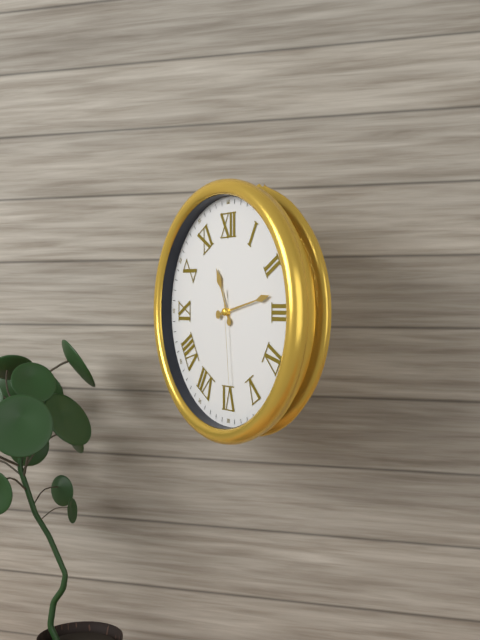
11:13:29
